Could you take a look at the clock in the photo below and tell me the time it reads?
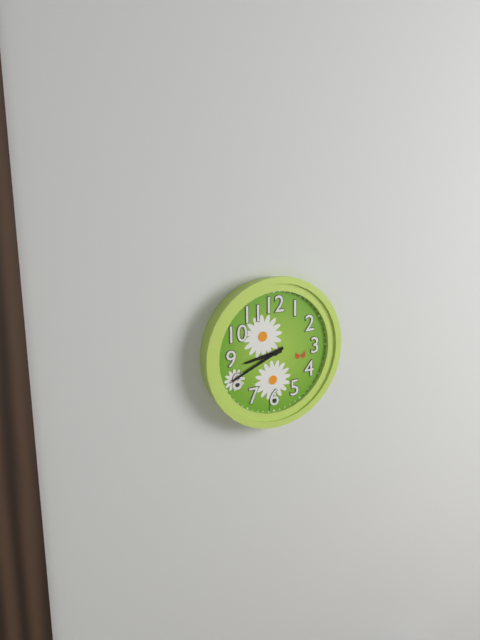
8:41
